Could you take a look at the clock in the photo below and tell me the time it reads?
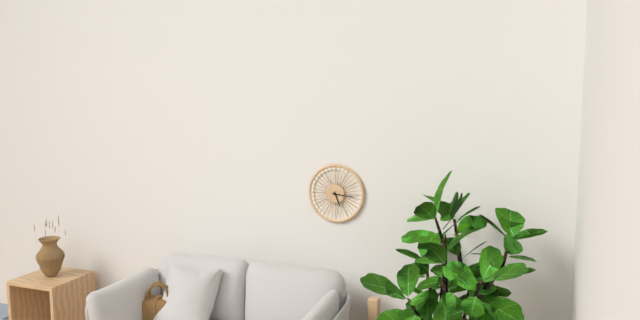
5:16
